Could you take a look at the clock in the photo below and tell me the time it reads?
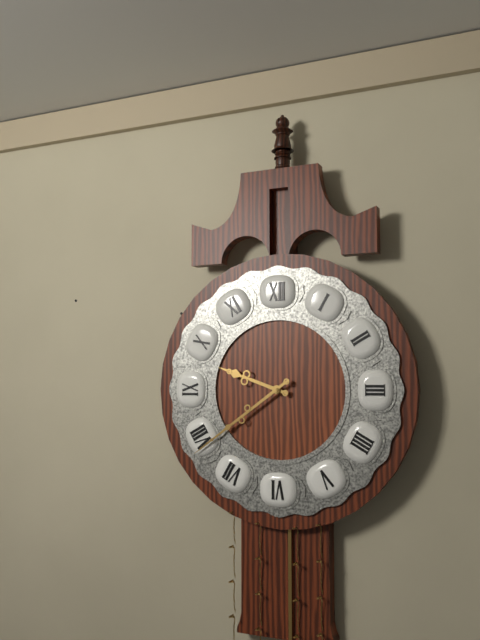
9:39
